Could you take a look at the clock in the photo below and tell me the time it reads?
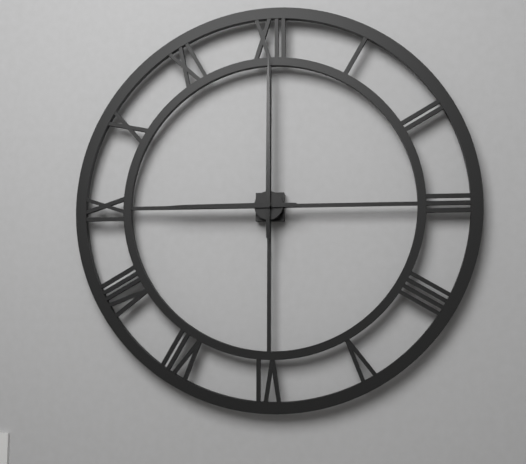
9:00
